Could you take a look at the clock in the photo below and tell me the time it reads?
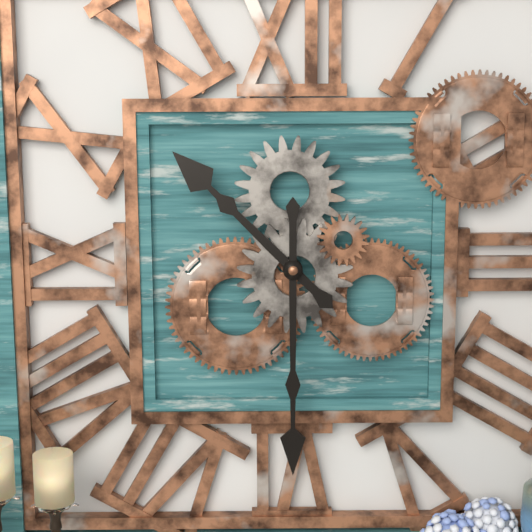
10:30
